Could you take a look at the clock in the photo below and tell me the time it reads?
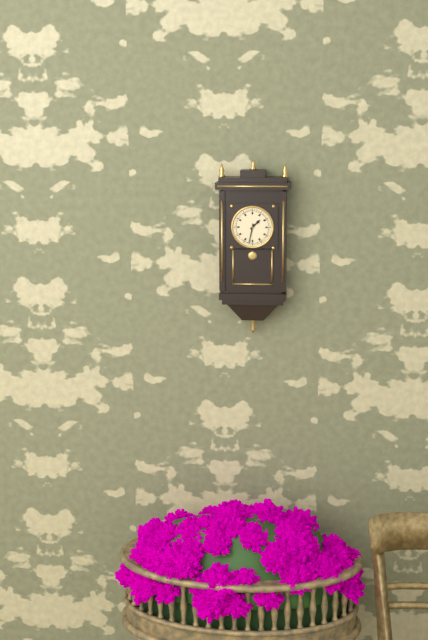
1:32
